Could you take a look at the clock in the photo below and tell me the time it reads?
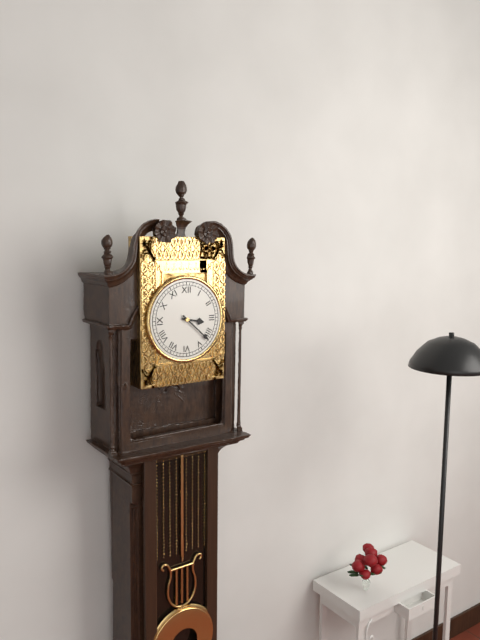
3:22
